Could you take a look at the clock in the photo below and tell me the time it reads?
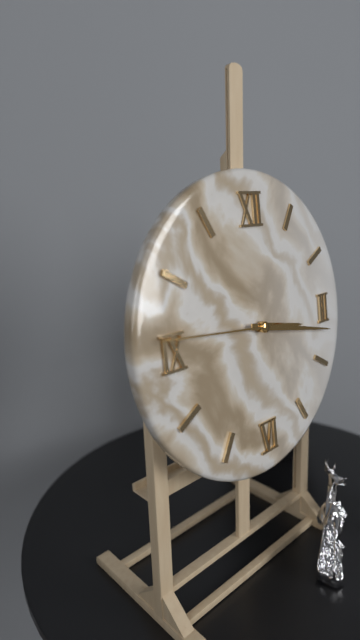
3:17:46
